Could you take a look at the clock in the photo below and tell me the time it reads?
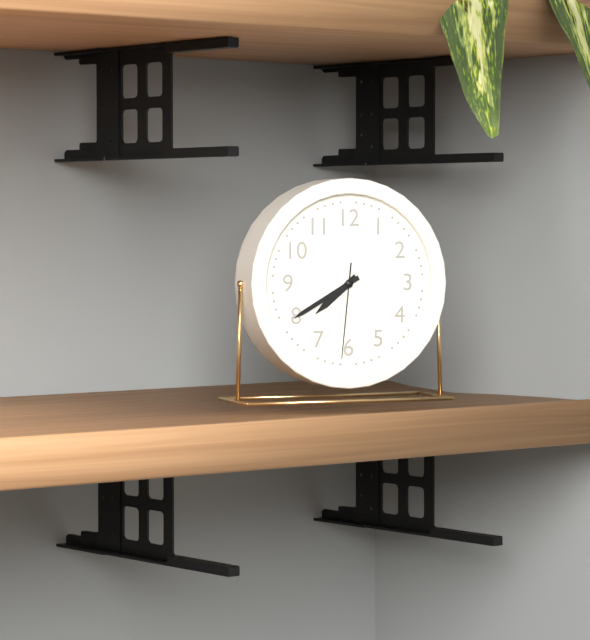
7:40:31
